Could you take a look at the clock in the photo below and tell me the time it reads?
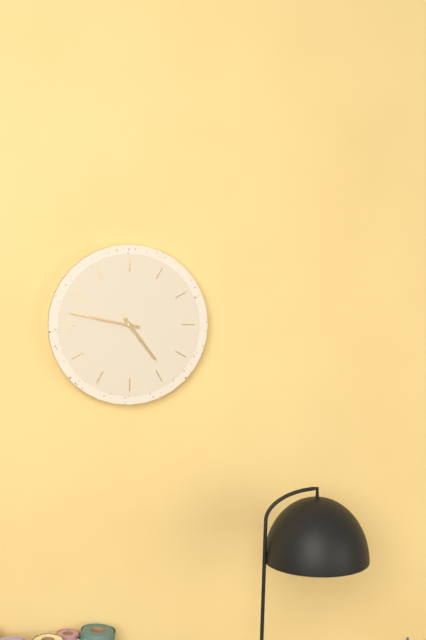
4:47
